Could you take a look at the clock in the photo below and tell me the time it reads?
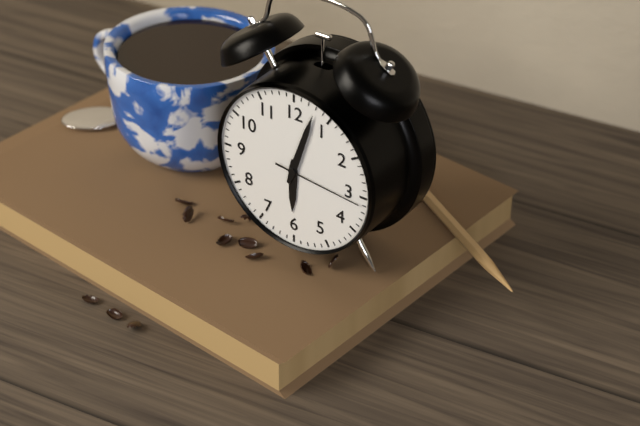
6:03:16
